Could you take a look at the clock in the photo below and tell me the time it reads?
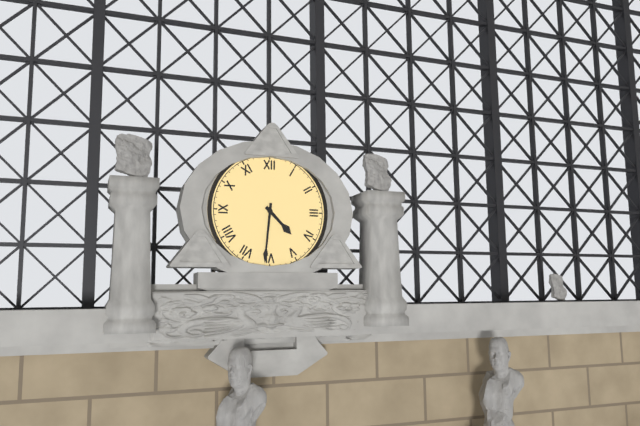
4:31
